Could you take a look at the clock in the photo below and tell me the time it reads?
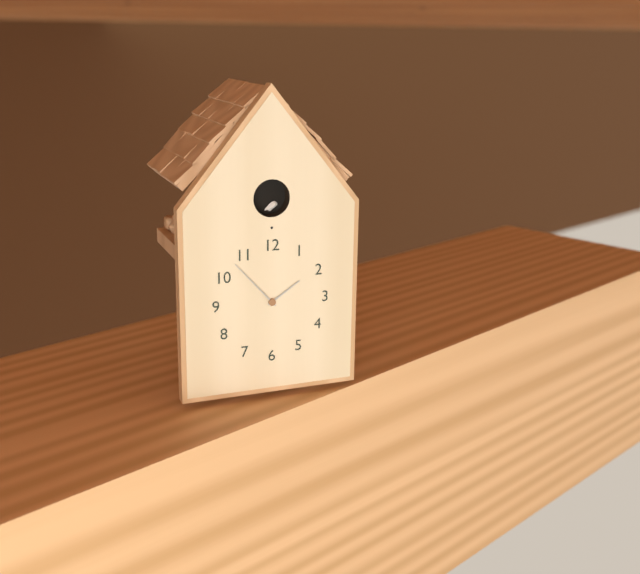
1:53
